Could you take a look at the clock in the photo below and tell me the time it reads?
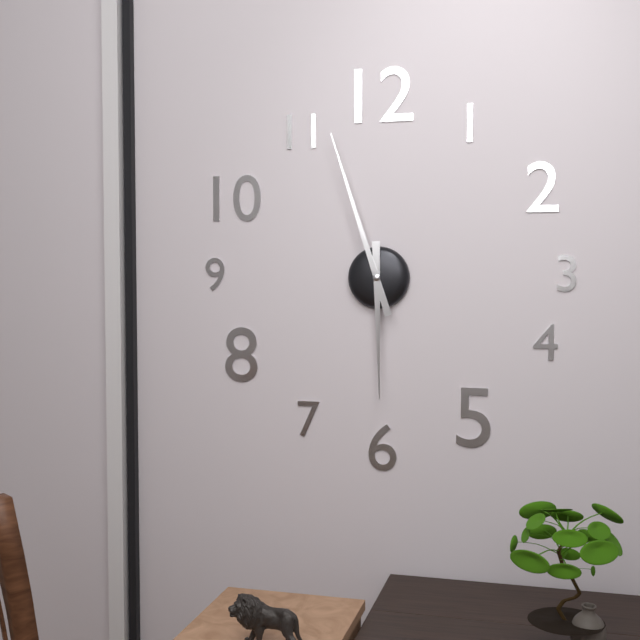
5:57
